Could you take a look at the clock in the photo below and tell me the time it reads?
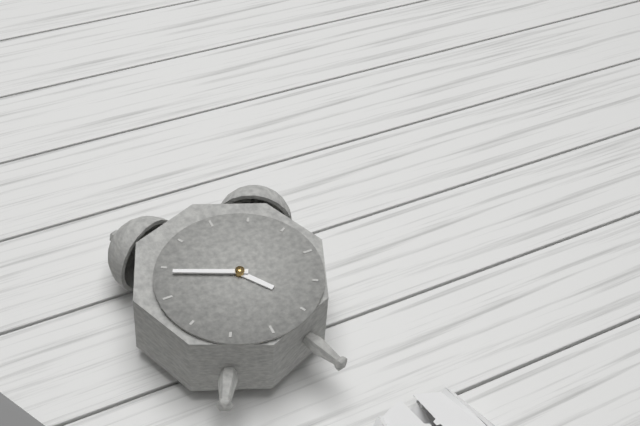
4:49
